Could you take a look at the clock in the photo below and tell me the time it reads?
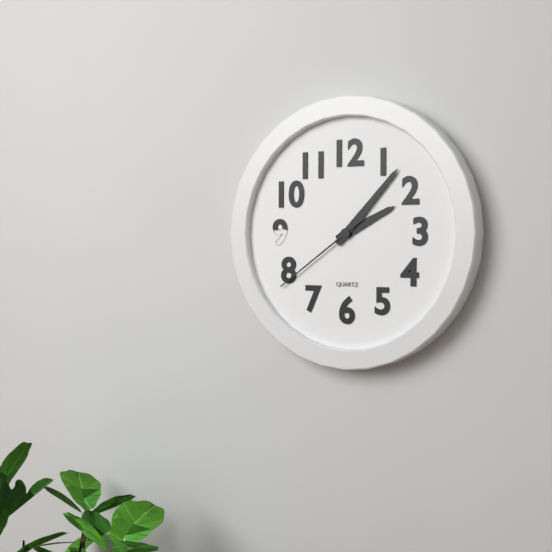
2:07:39
